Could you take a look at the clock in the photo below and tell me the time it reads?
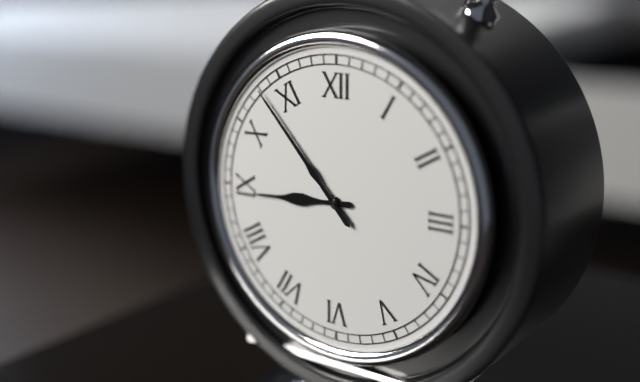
8:53
